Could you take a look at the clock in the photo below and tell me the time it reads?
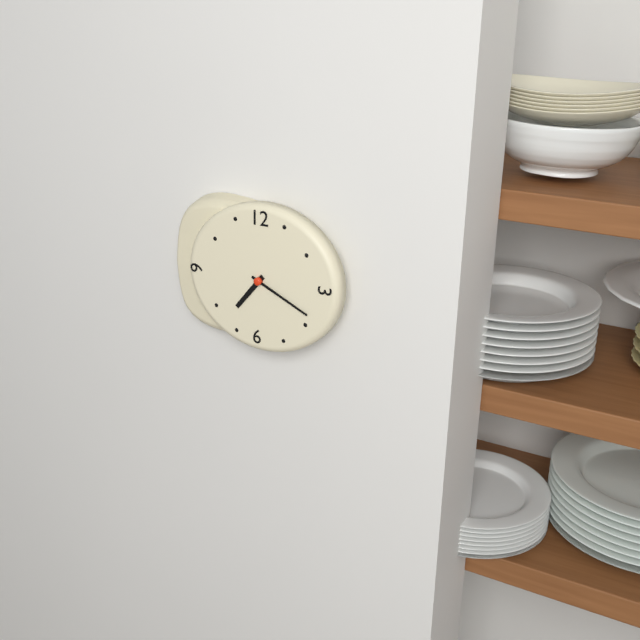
7:19
